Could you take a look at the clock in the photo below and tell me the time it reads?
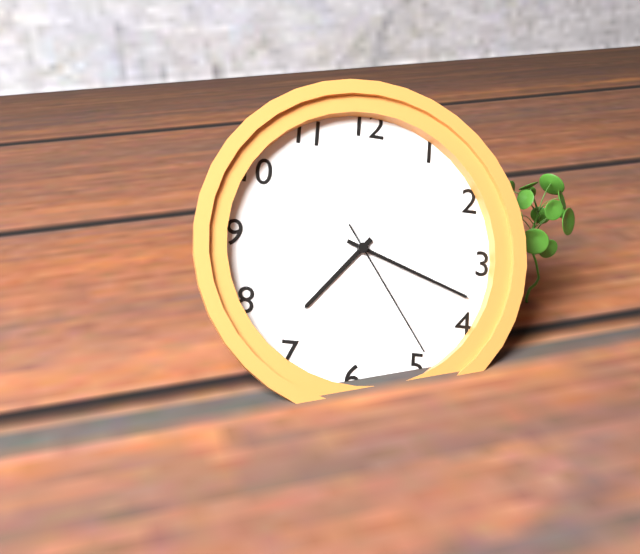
7:18:24
